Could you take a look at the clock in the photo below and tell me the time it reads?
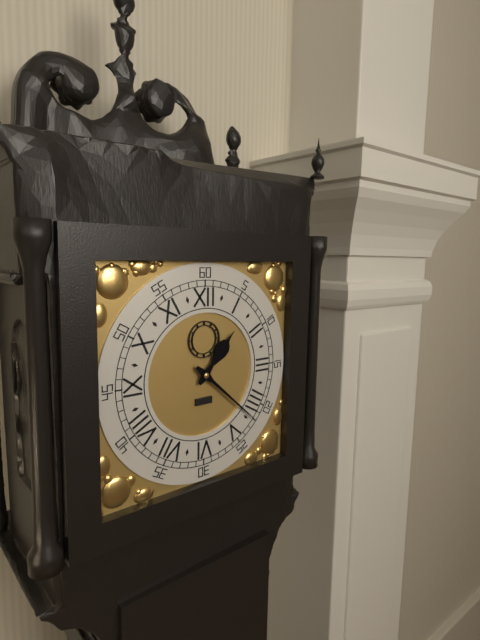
1:22
